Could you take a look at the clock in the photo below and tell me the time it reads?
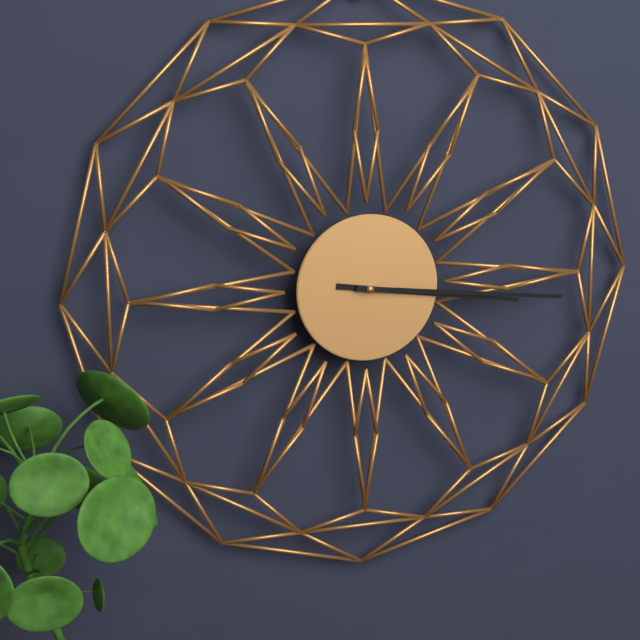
3:16
